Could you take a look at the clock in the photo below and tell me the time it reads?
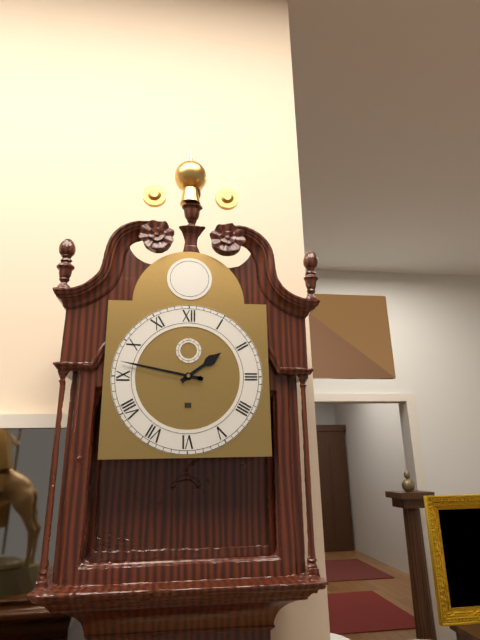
1:47
